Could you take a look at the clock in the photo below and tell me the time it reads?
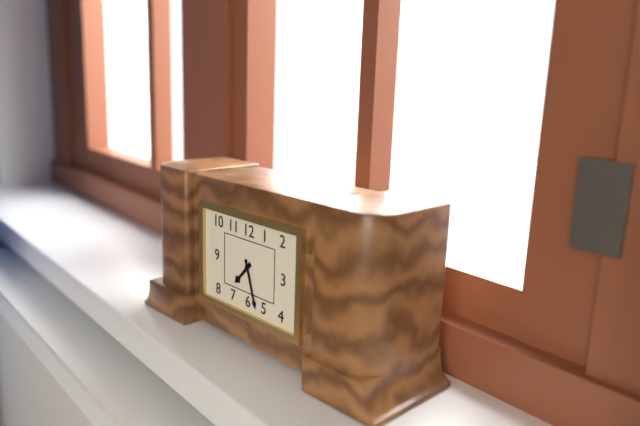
7:27
